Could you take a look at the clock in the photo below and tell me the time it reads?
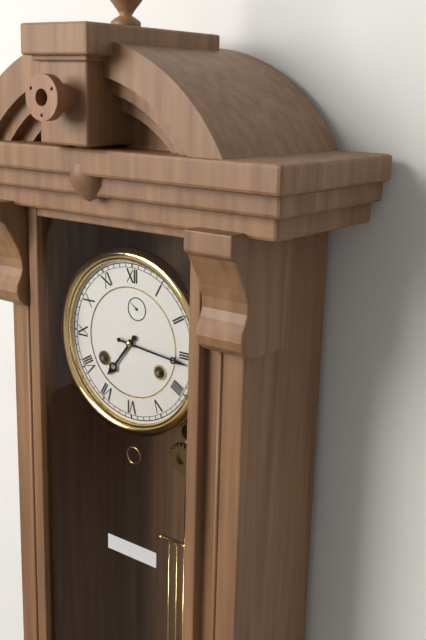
7:16
